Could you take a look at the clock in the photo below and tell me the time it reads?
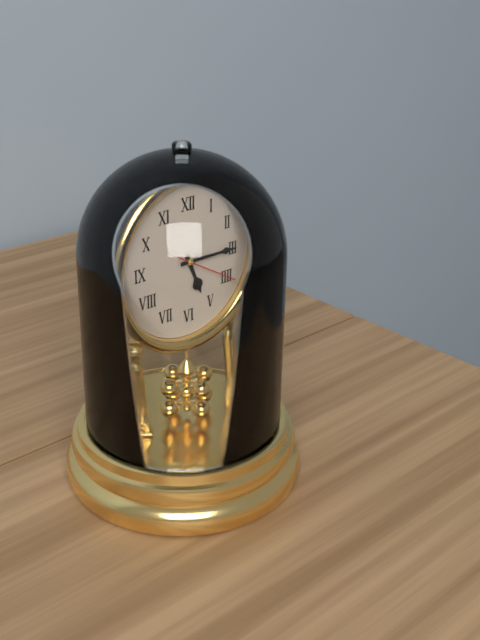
5:15:20
